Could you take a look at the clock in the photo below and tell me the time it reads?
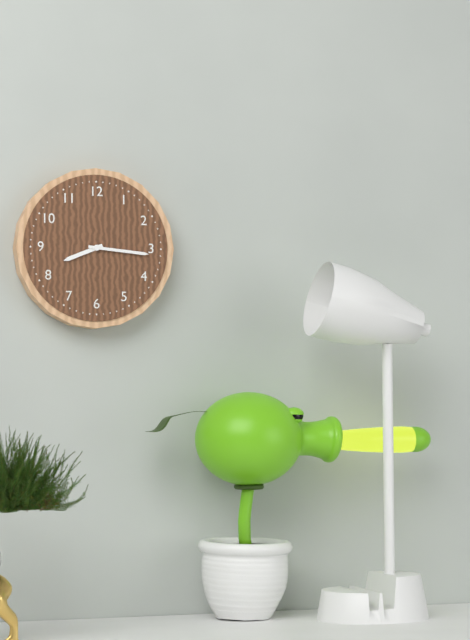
8:16
